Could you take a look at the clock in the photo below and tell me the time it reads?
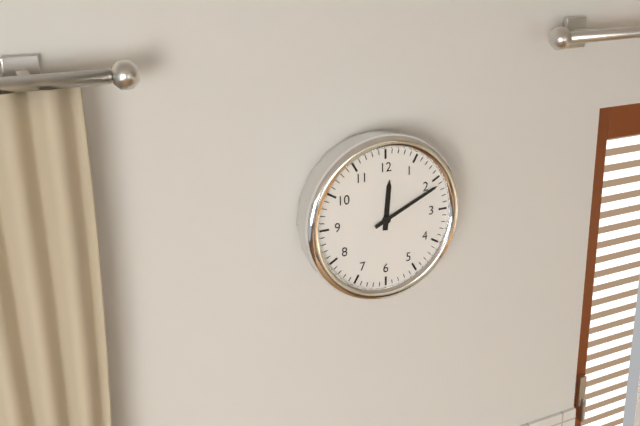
12:11
